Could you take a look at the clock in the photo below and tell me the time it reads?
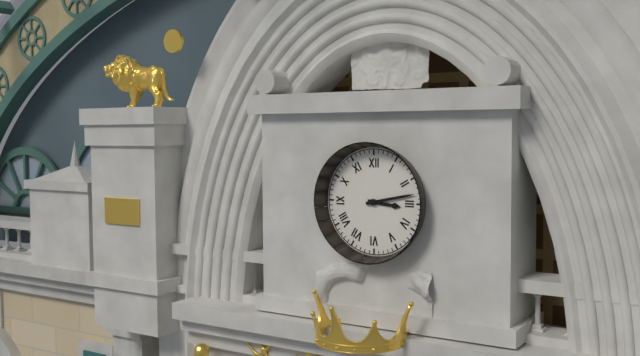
3:13
